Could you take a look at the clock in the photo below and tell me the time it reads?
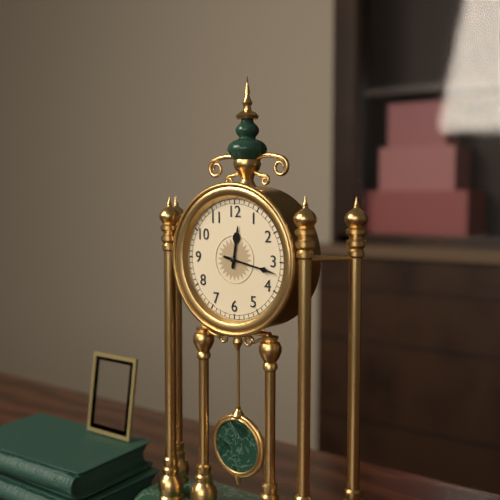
12:17
